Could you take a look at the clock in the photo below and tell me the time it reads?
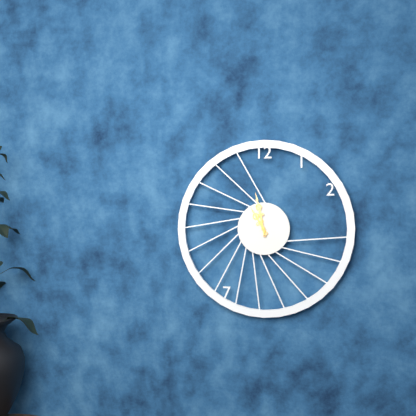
10:58
